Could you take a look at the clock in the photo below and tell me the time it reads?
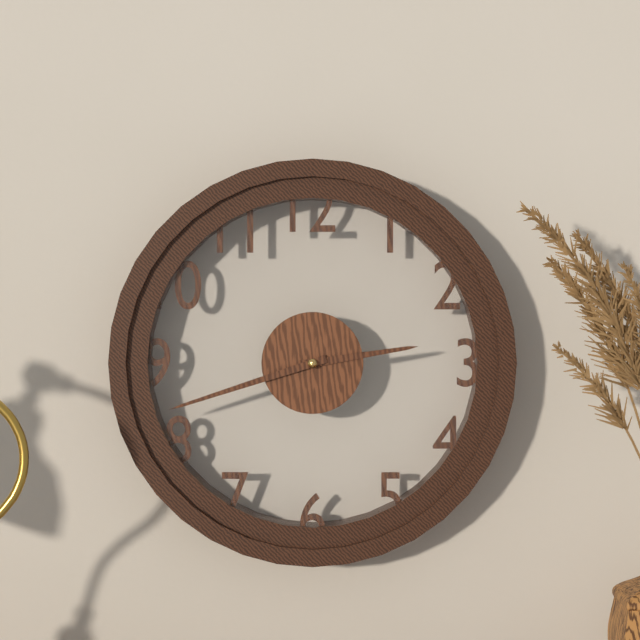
2:42
